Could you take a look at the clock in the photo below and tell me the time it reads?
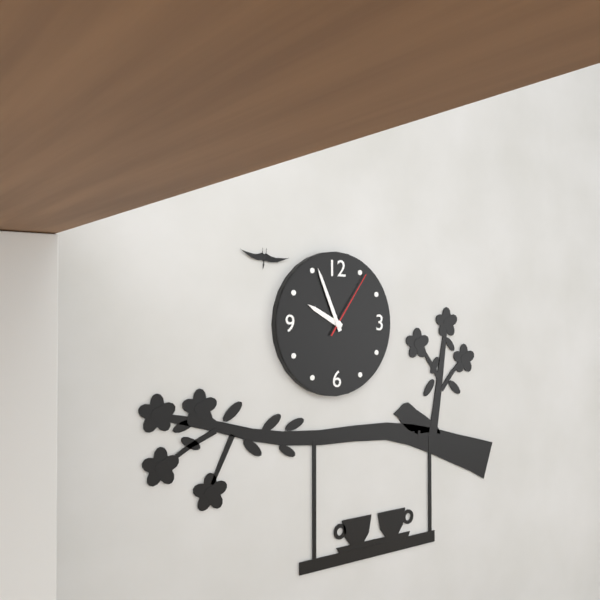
9:56:06
